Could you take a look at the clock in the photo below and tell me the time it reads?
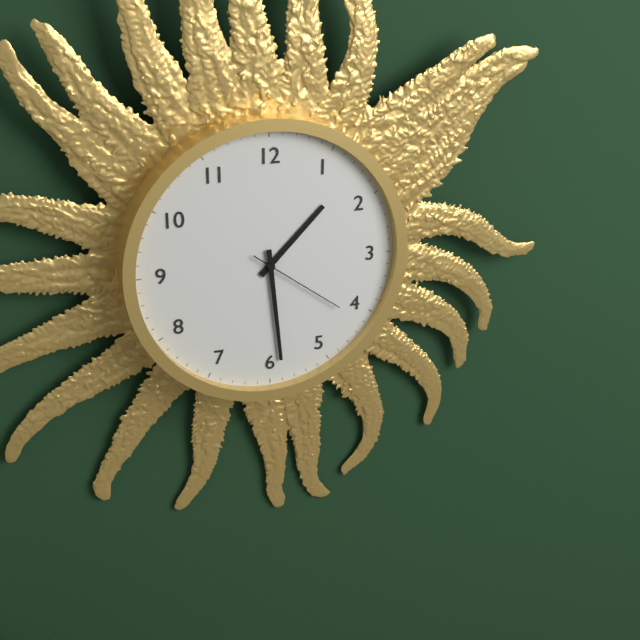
1:29:21
